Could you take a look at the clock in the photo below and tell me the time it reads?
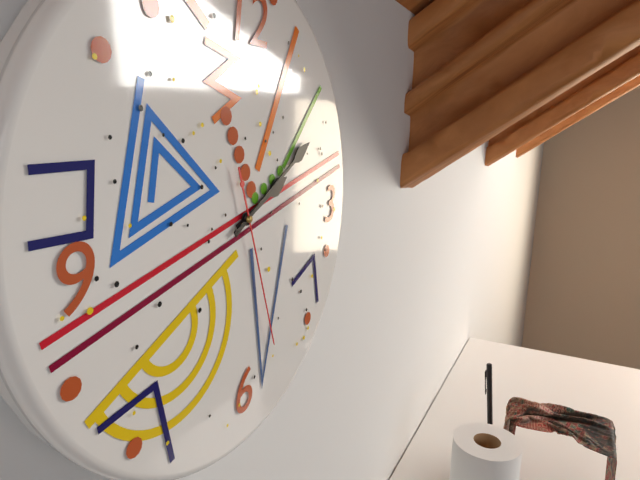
2:10:27
